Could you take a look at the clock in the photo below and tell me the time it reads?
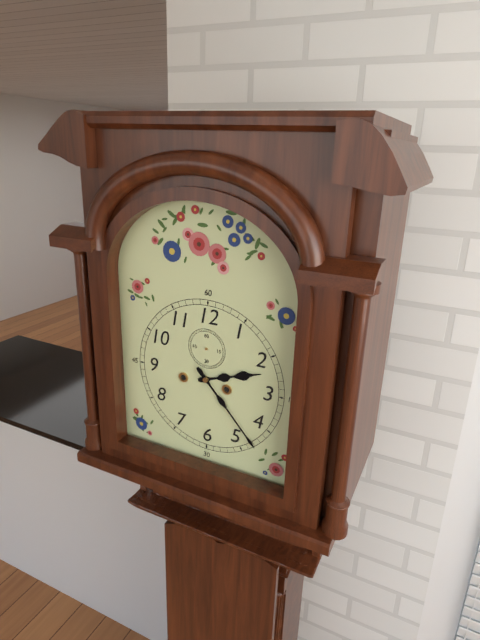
2:23
